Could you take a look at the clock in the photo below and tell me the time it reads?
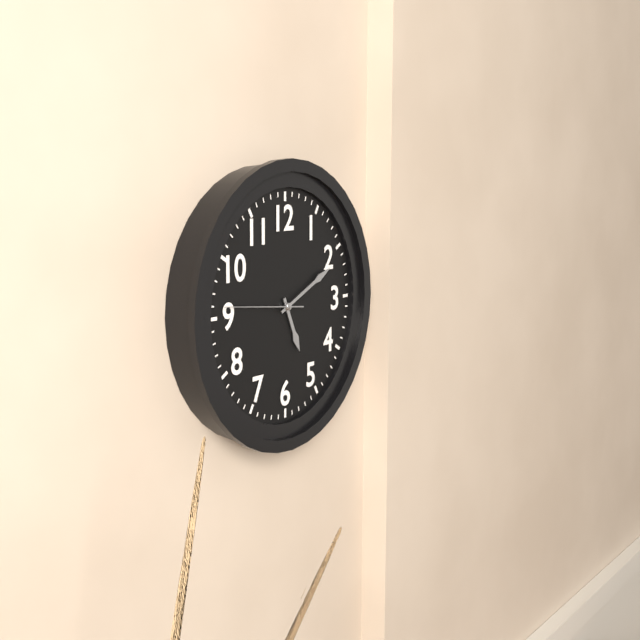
5:11:46
